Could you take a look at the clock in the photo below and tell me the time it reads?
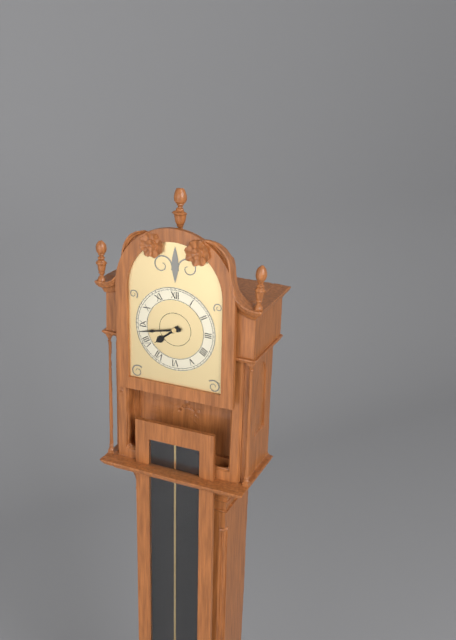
7:43
